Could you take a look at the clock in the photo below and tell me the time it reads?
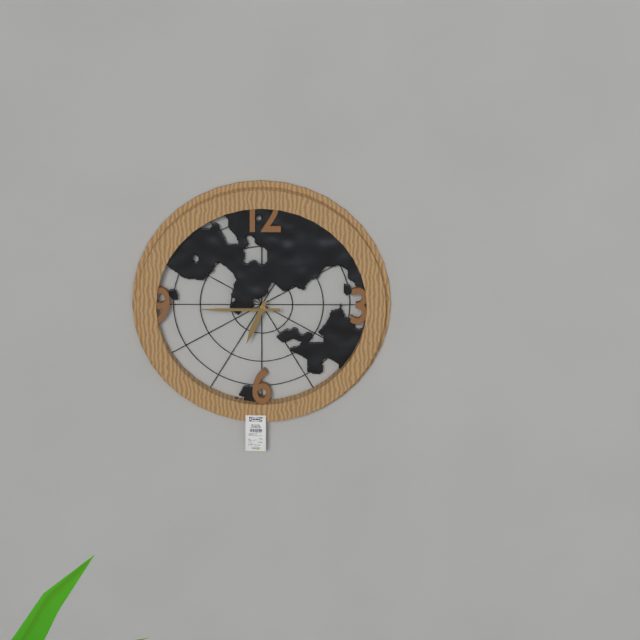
6:45
